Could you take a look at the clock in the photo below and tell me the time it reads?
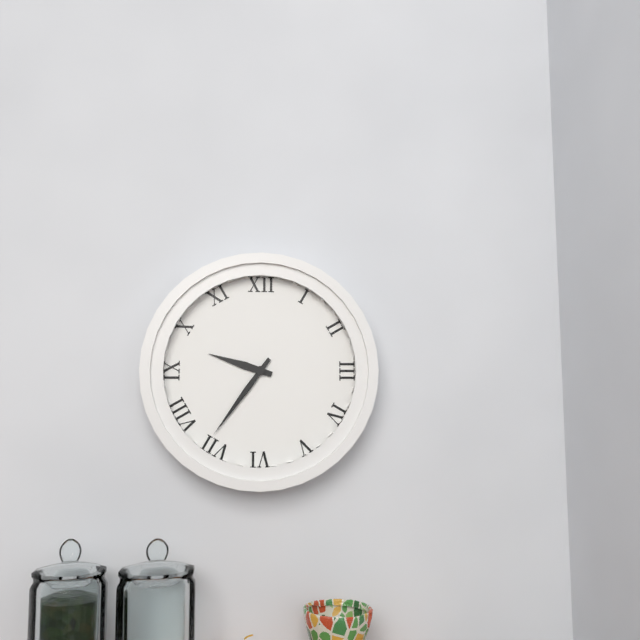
9:36
